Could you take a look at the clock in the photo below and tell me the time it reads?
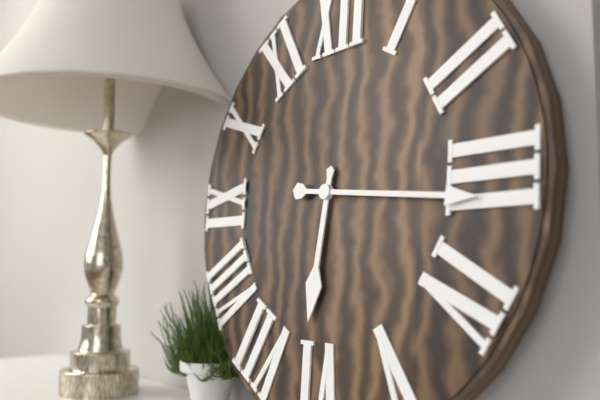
6:16
